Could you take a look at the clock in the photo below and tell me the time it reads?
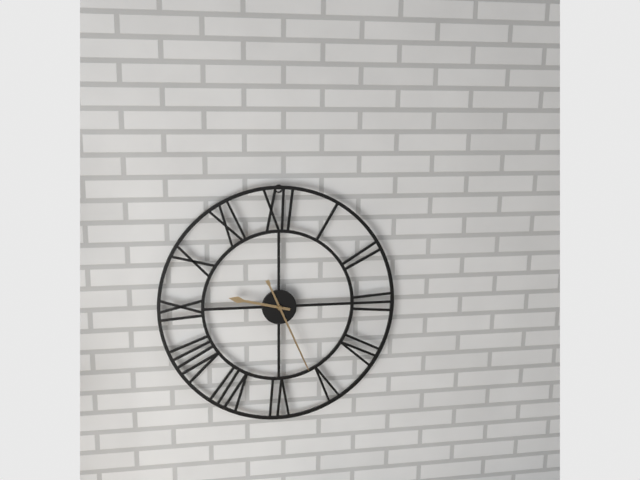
9:26
